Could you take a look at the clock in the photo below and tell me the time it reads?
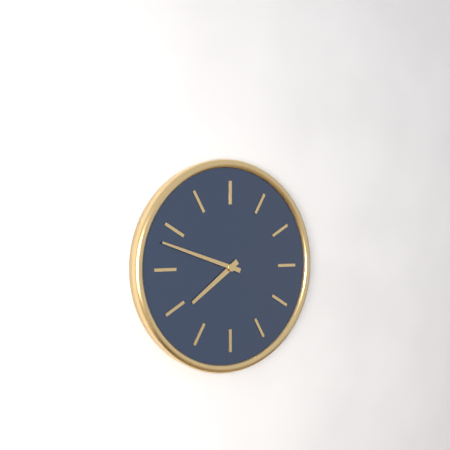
7:48
